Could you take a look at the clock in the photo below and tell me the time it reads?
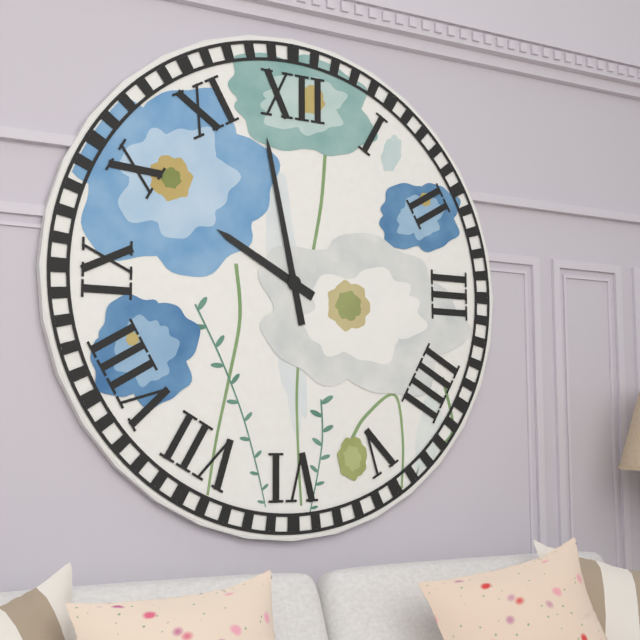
9:58
